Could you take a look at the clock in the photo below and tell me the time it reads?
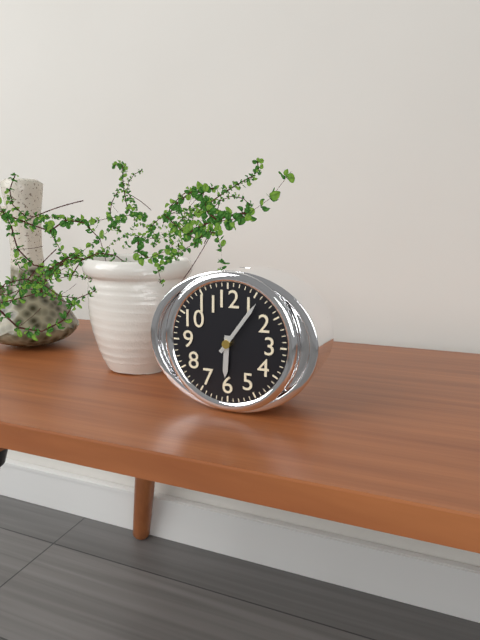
6:06
